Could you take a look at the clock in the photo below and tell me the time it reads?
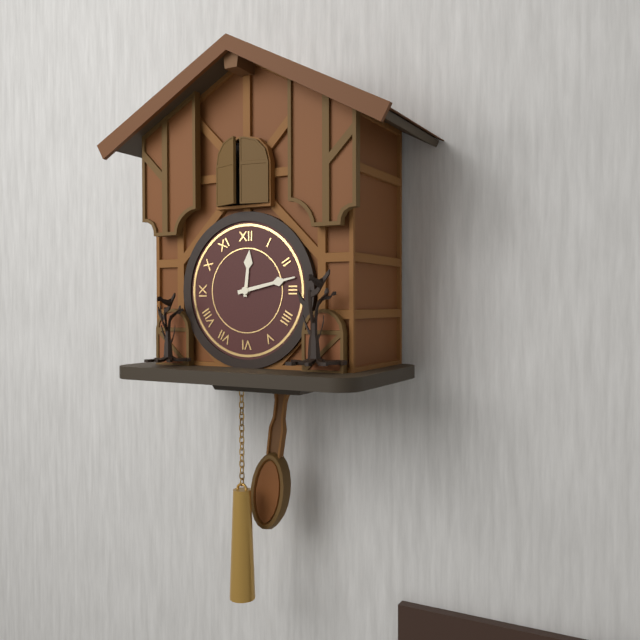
12:13
